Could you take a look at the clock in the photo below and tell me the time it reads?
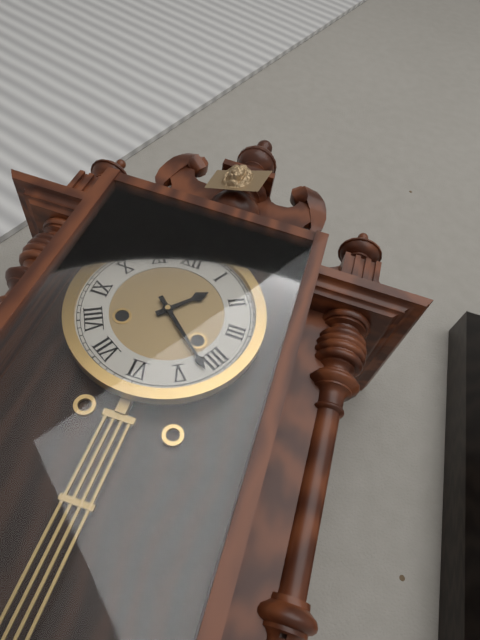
1:22
